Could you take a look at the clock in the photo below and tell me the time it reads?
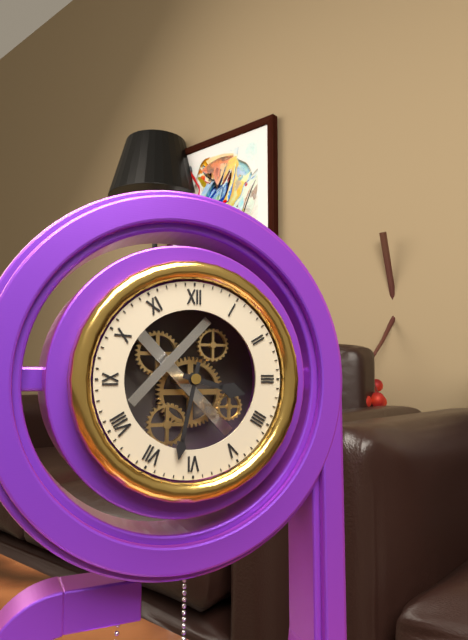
3:32
